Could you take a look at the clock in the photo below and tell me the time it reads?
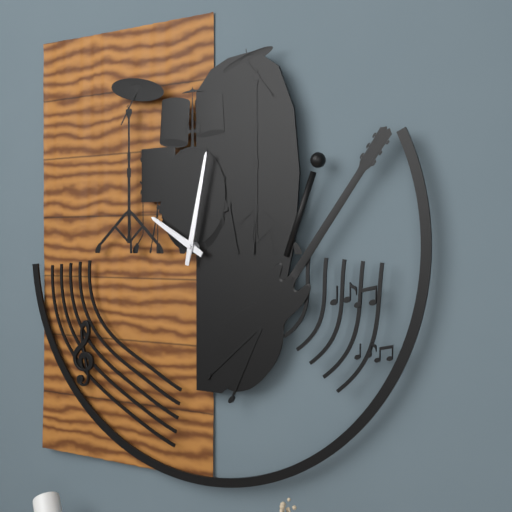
10:02
